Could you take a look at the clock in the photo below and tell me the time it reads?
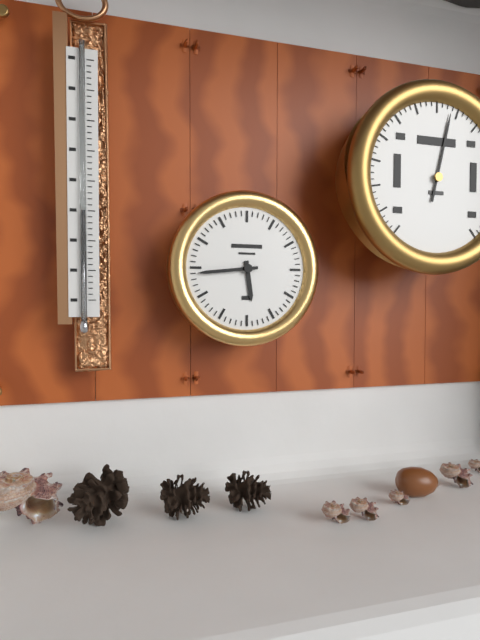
5:44
